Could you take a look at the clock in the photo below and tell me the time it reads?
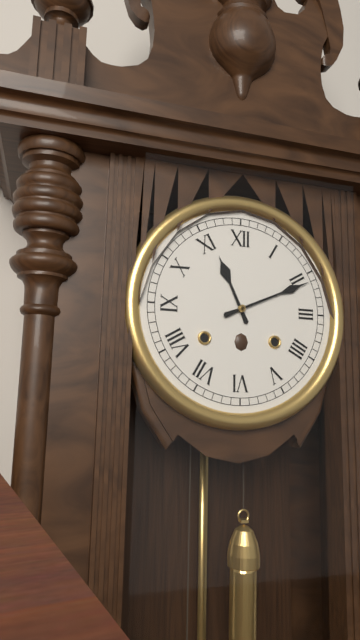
11:11
